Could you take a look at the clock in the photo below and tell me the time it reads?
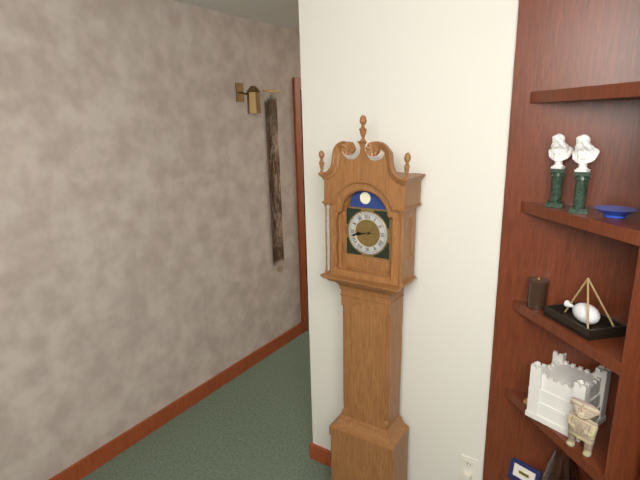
8:43
